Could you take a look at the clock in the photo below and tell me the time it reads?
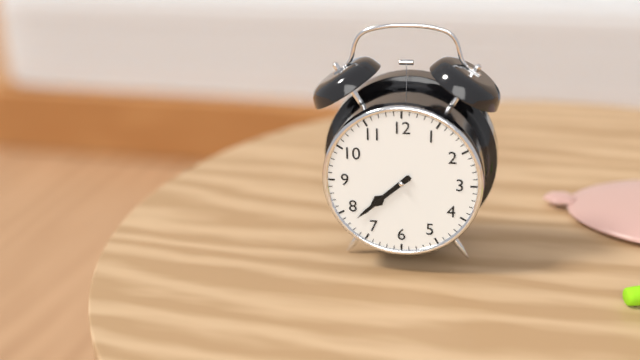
7:38
